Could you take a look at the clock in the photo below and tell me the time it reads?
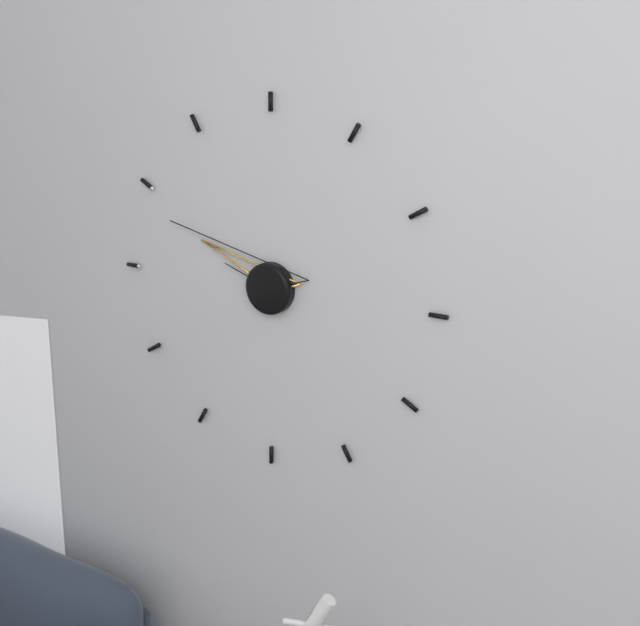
9:49
